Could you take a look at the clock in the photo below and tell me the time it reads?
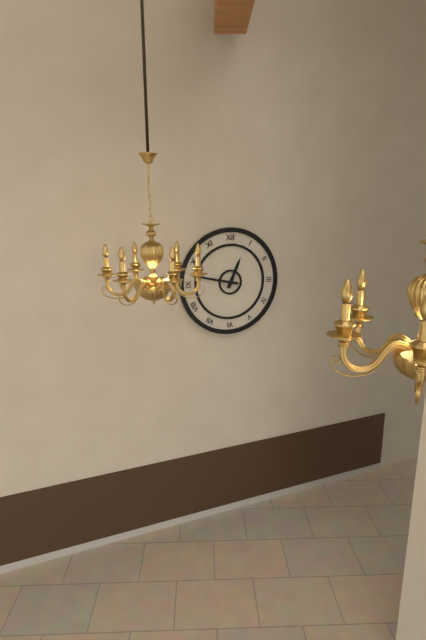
12:47
